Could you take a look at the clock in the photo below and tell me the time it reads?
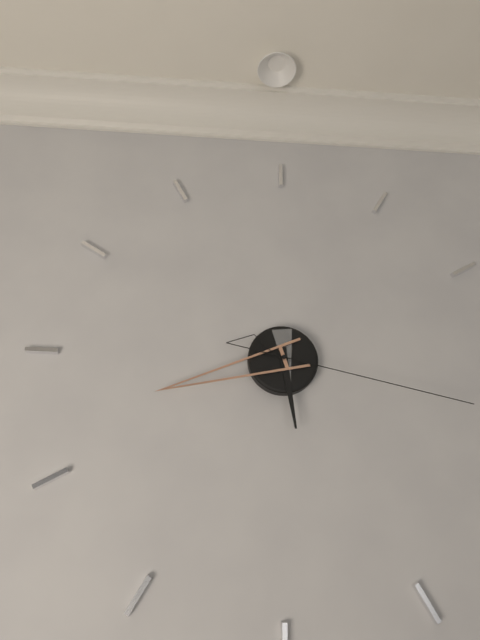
5:42:17
